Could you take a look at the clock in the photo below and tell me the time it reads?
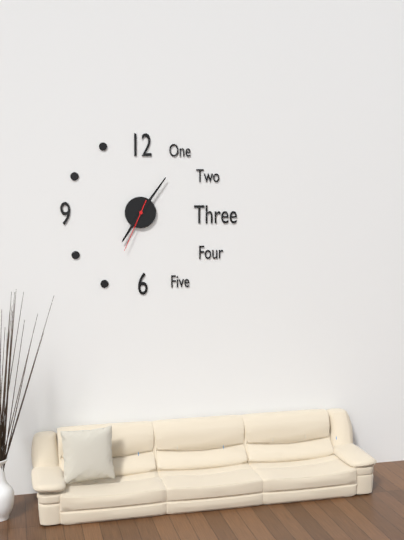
7:06:34
